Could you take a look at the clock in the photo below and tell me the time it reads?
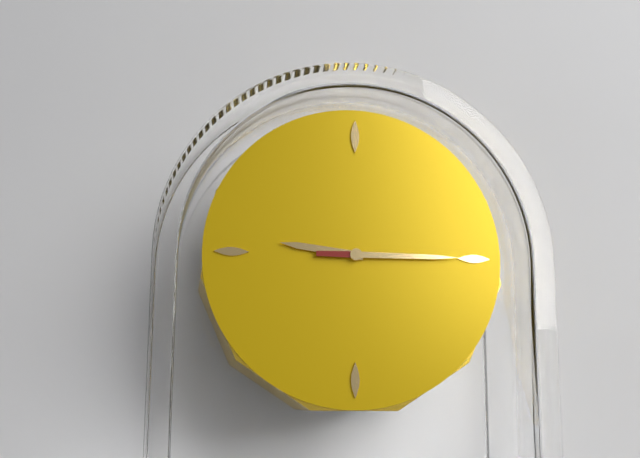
9:15
